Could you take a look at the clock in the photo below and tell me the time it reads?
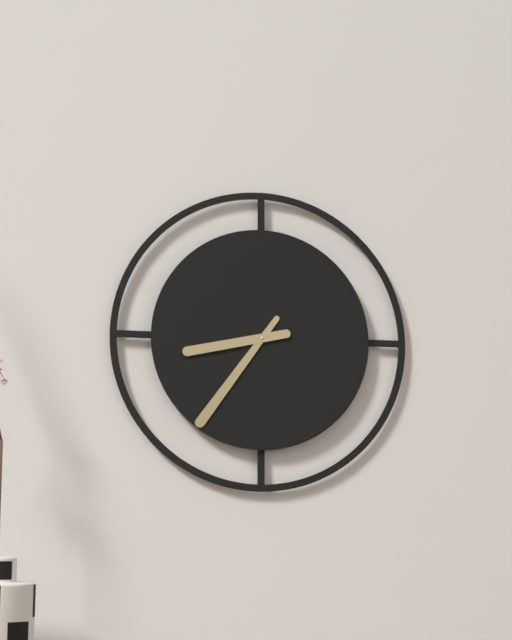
8:36
